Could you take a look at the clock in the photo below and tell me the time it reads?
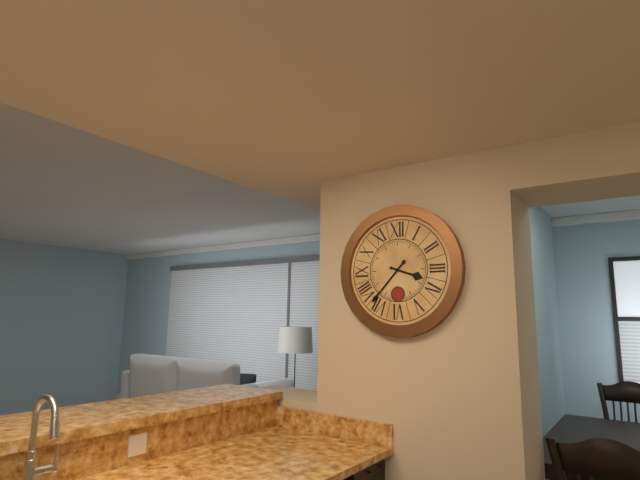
3:37
